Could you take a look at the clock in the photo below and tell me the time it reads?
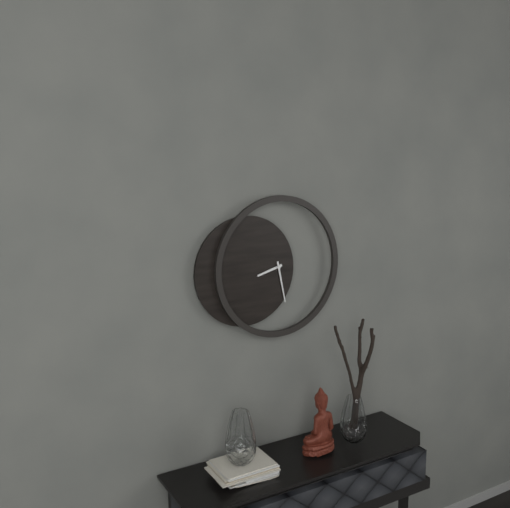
8:28
